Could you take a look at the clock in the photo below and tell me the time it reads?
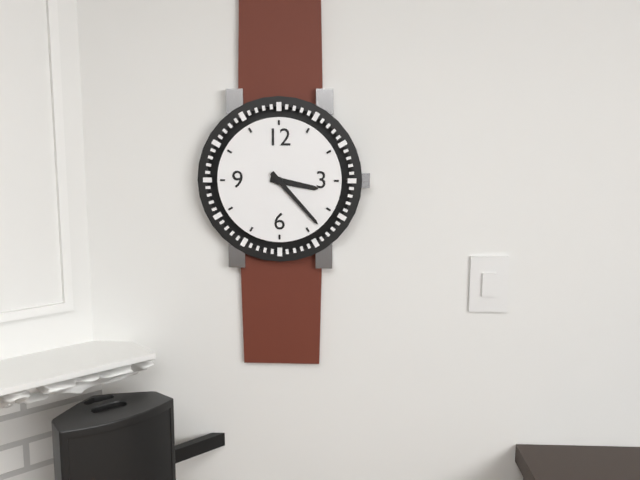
3:23
